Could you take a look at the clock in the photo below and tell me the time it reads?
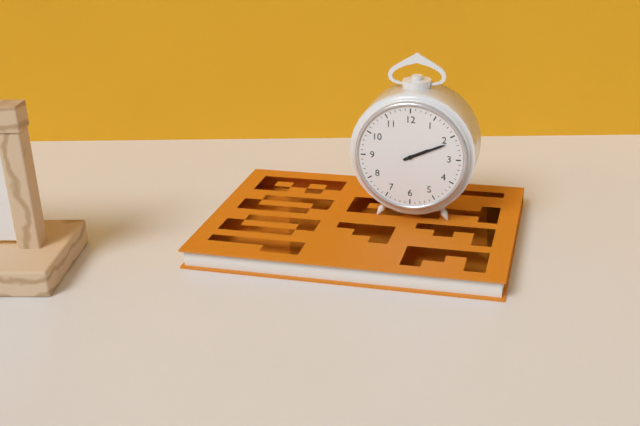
2:11
